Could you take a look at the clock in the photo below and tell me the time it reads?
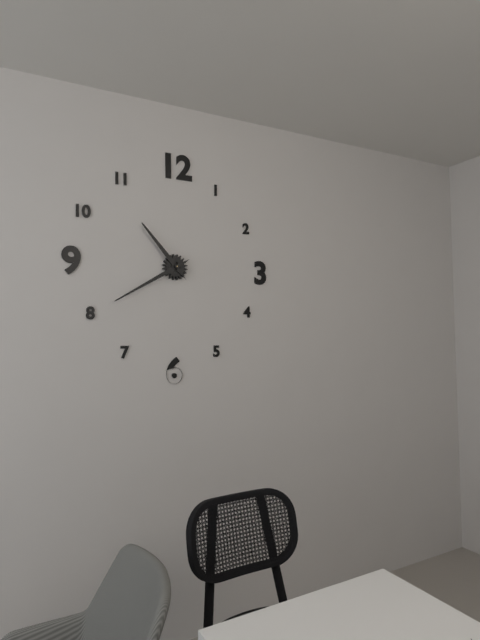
10:40
